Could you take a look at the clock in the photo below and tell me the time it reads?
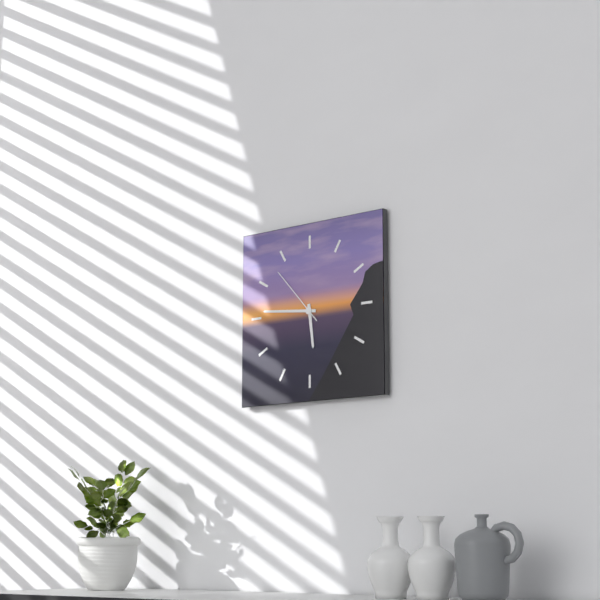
5:46:53
